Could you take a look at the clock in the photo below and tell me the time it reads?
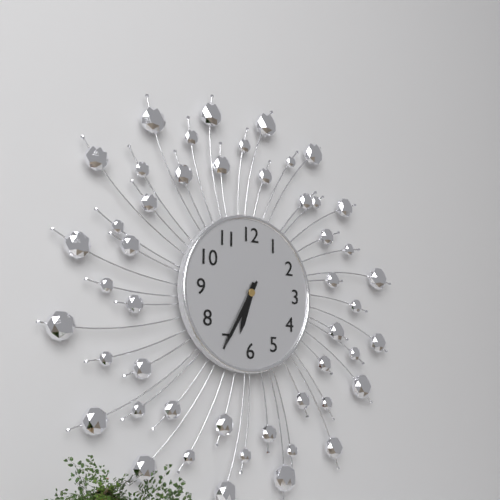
6:35
